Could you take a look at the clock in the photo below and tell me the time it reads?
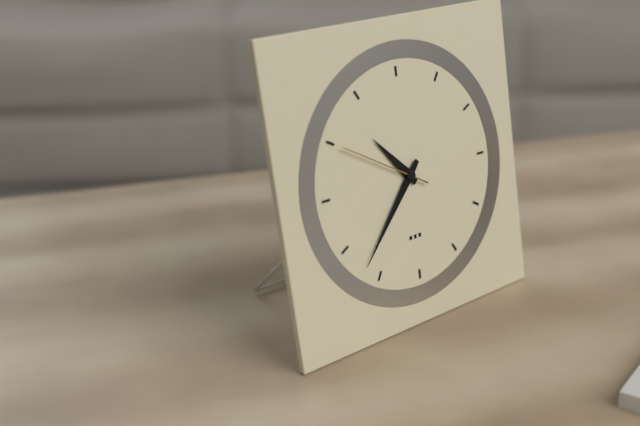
10:37:50
